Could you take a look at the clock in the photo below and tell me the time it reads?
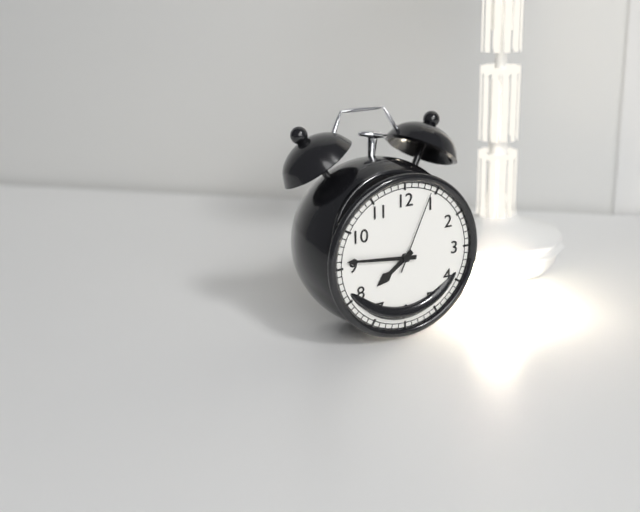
7:46:04
